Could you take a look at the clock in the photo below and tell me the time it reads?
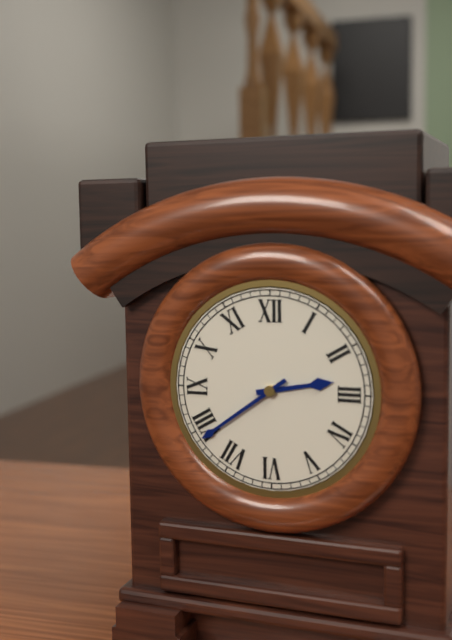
2:39
